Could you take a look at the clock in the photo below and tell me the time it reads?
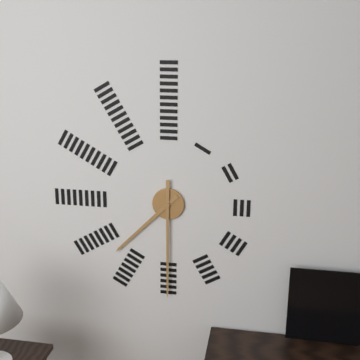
7:30
